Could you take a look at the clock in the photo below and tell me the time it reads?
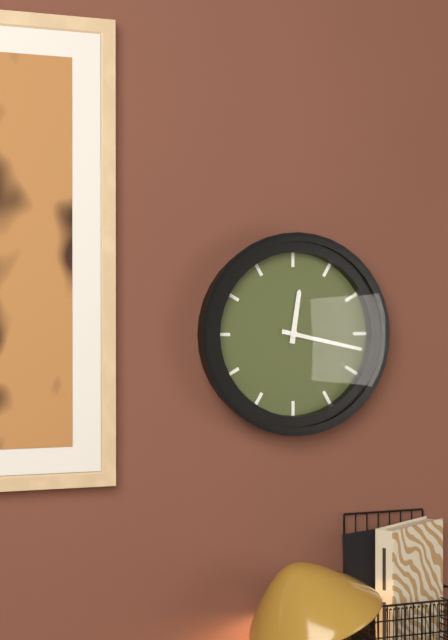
12:17
